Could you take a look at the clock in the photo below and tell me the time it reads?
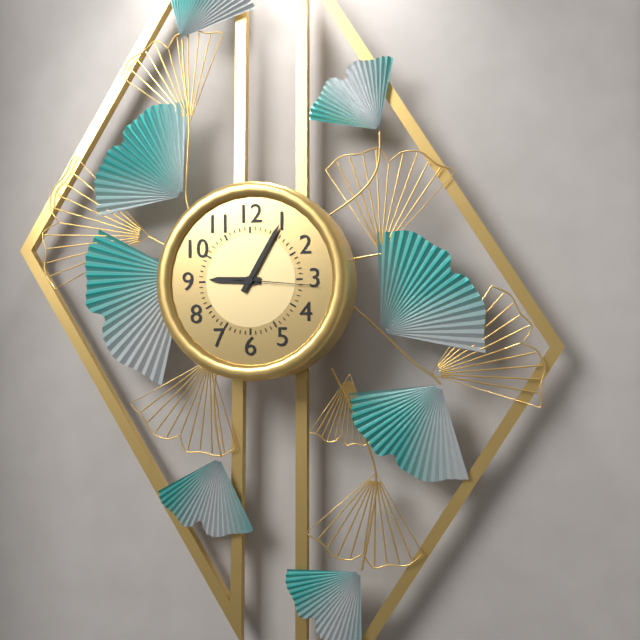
9:05:16
